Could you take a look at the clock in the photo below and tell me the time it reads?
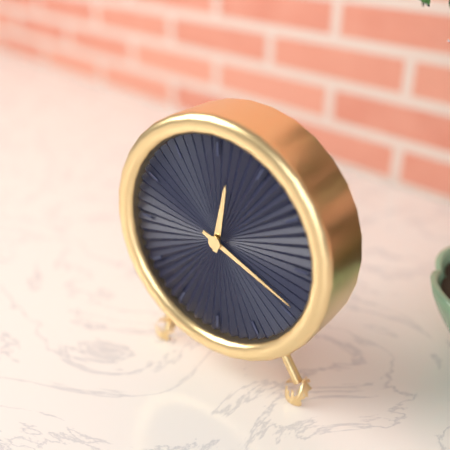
12:19
